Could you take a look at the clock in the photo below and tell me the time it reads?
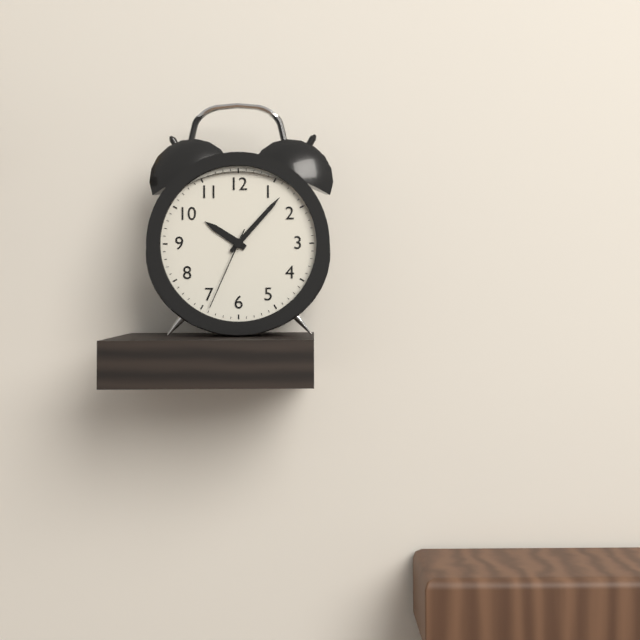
10:07:34
